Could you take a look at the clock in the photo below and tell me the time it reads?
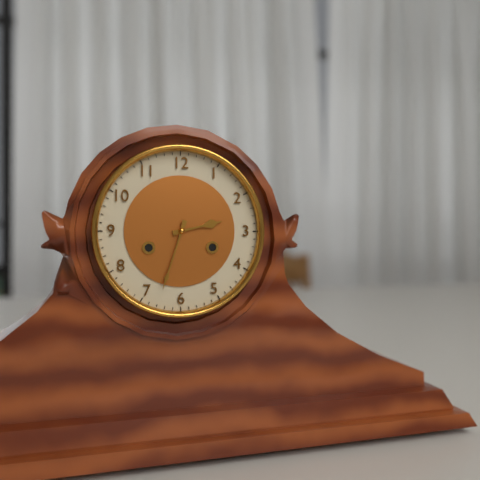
2:33
